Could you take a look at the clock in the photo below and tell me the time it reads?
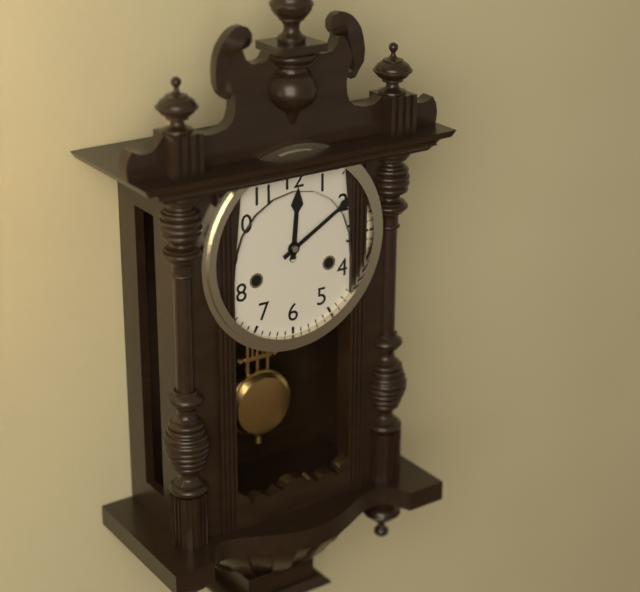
12:10
